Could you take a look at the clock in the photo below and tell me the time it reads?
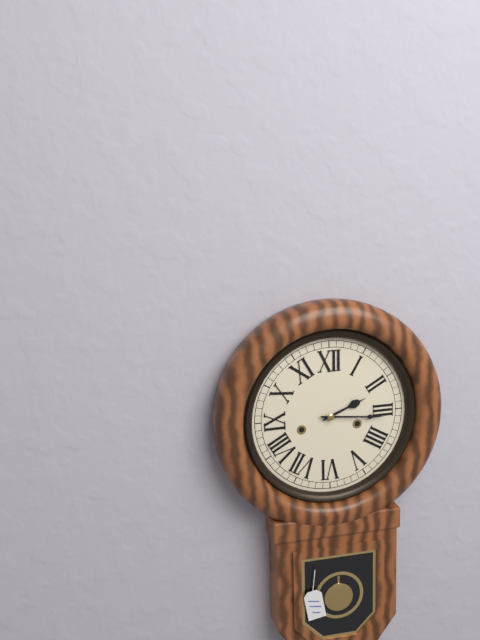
2:16
